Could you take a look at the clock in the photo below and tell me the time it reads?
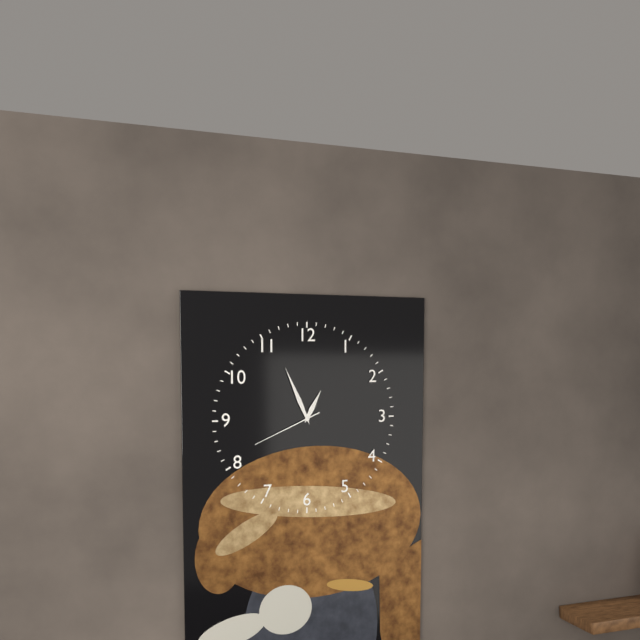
12:56:41
